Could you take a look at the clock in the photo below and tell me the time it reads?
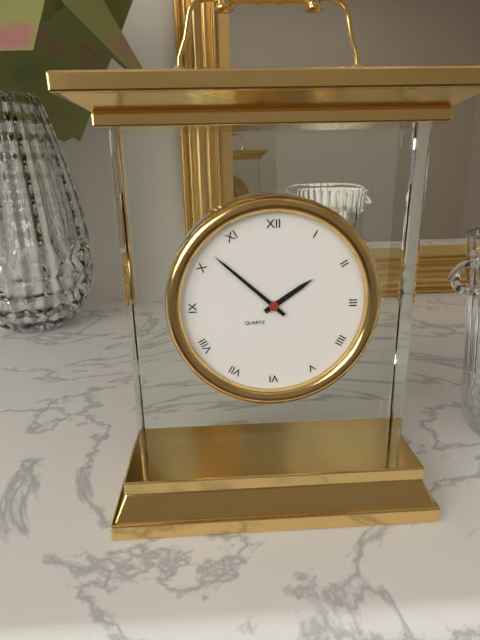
1:52
